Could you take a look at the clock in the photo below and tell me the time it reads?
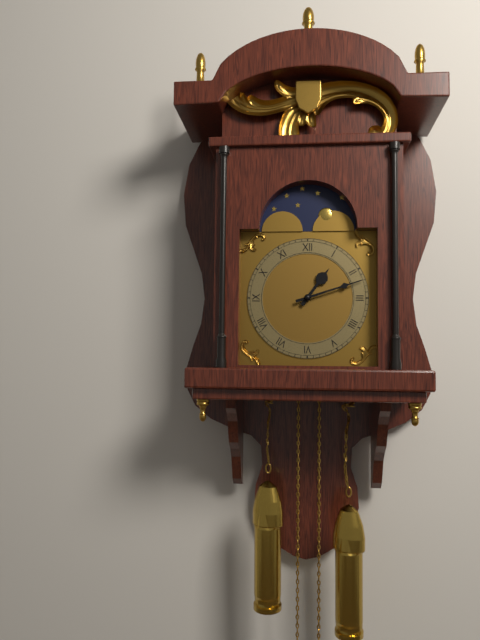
1:12
